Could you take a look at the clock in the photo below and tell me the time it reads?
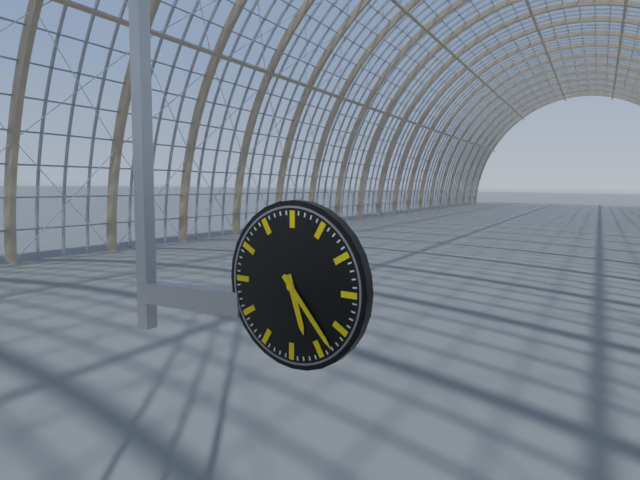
5:23
